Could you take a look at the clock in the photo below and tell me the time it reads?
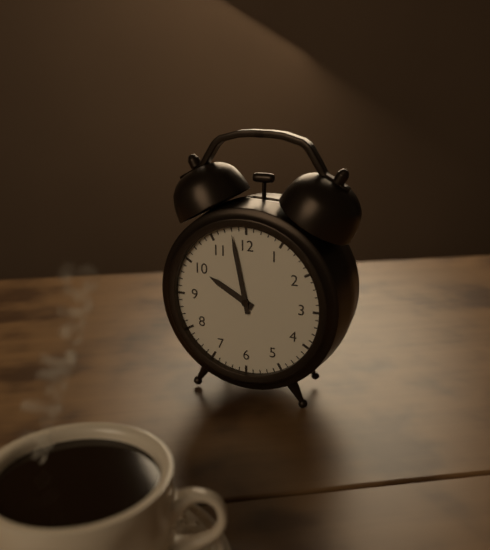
9:58
